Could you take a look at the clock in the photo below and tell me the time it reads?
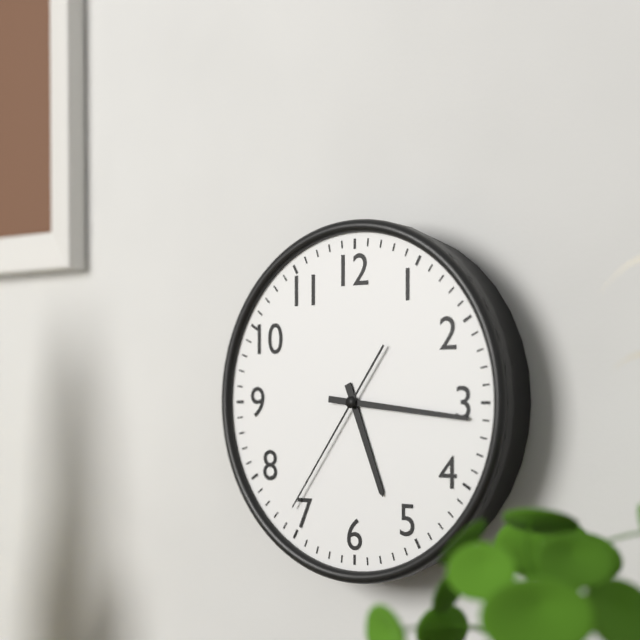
5:16:36
